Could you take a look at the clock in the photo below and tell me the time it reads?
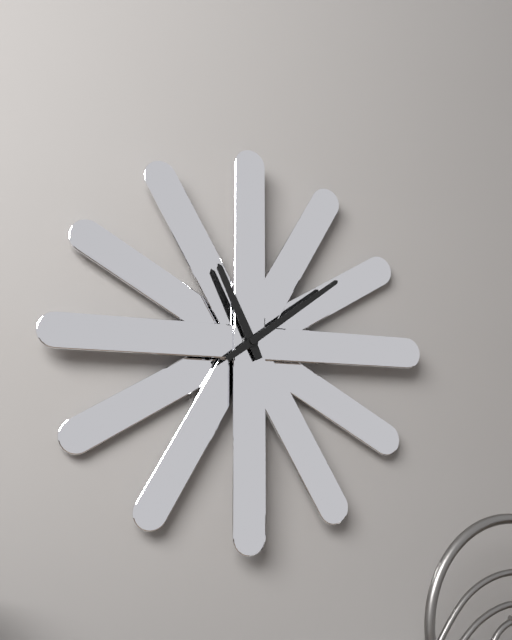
11:09
